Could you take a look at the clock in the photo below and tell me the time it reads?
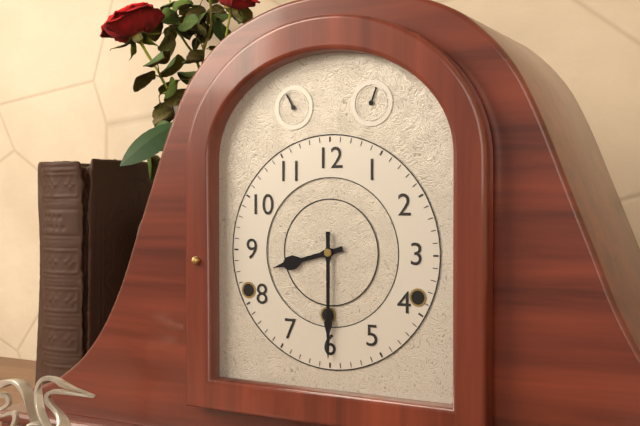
8:30
